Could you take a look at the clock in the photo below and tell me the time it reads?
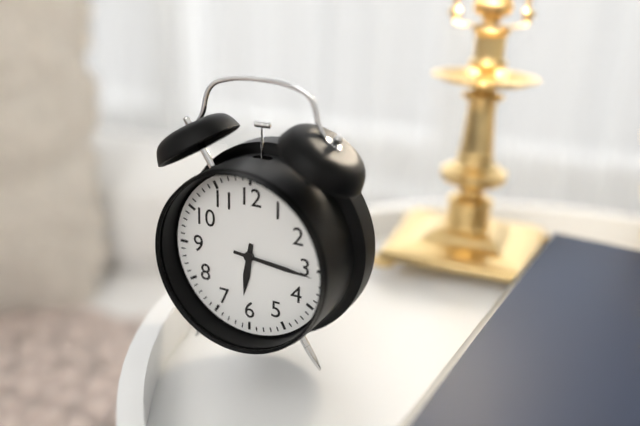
6:16
